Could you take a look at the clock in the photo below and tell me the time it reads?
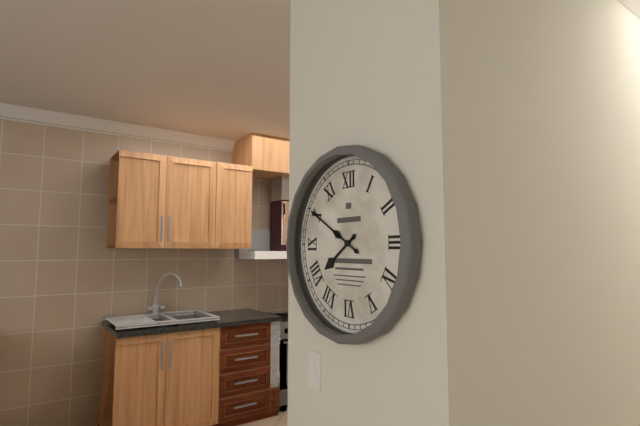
7:50
